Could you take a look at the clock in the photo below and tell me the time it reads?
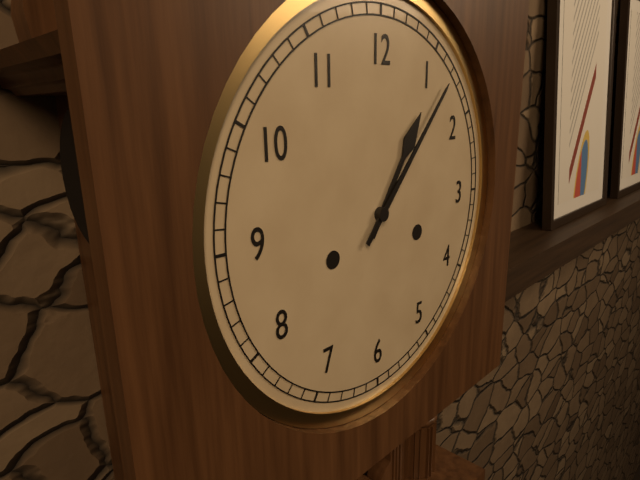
1:07
